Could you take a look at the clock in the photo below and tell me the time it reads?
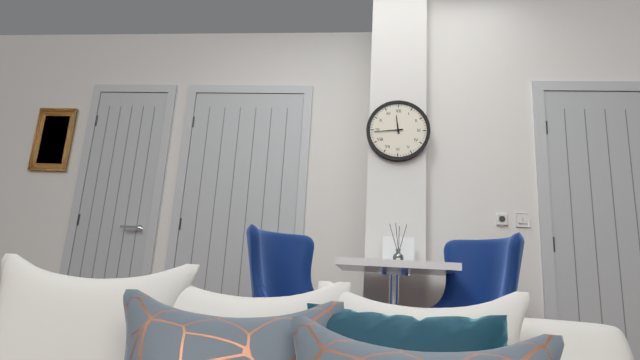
11:44
